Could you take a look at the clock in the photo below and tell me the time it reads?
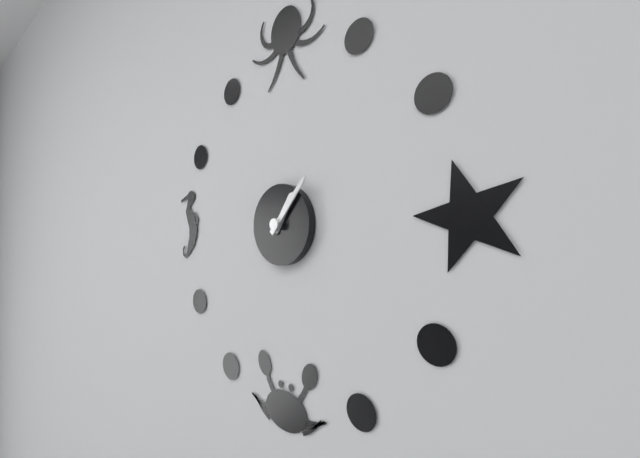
1:07
